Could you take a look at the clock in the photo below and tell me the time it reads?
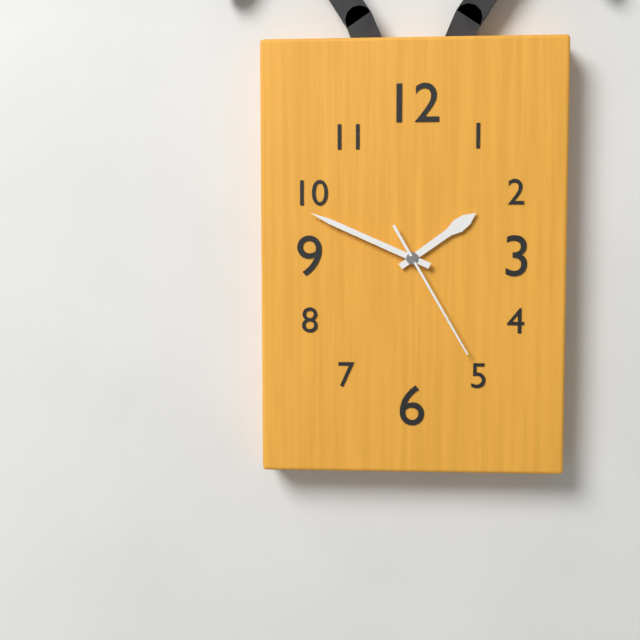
1:49:25
